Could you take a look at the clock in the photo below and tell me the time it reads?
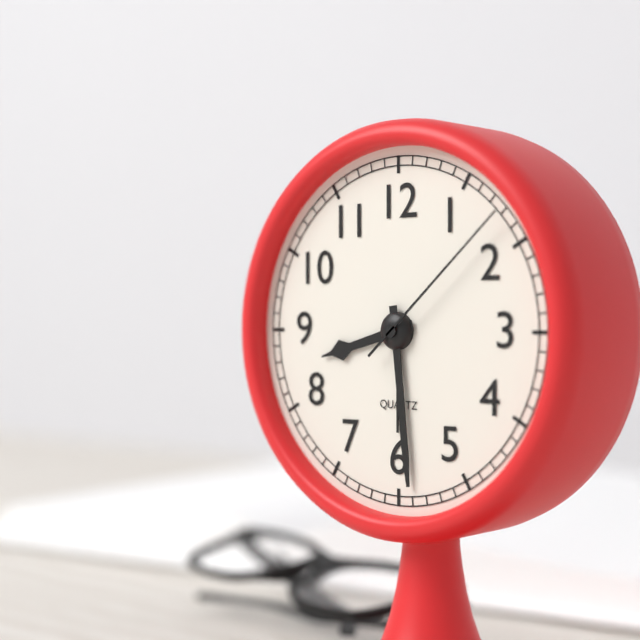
8:29:08
